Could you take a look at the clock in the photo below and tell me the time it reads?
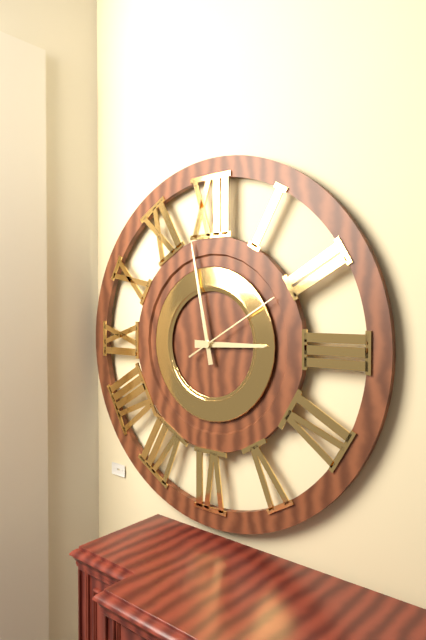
2:58:10
